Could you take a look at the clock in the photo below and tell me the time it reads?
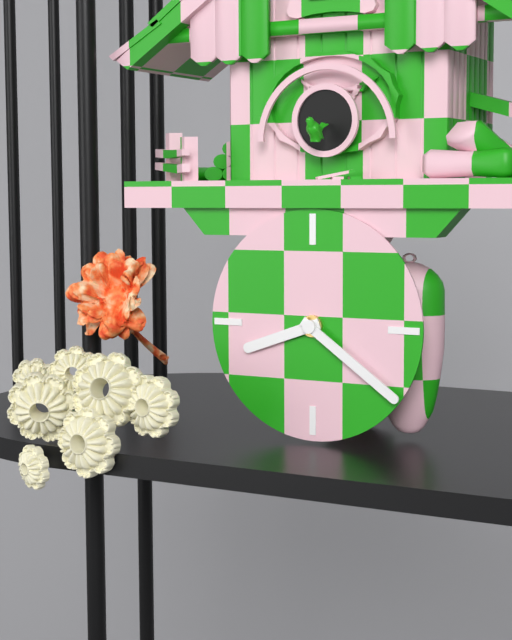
8:21
